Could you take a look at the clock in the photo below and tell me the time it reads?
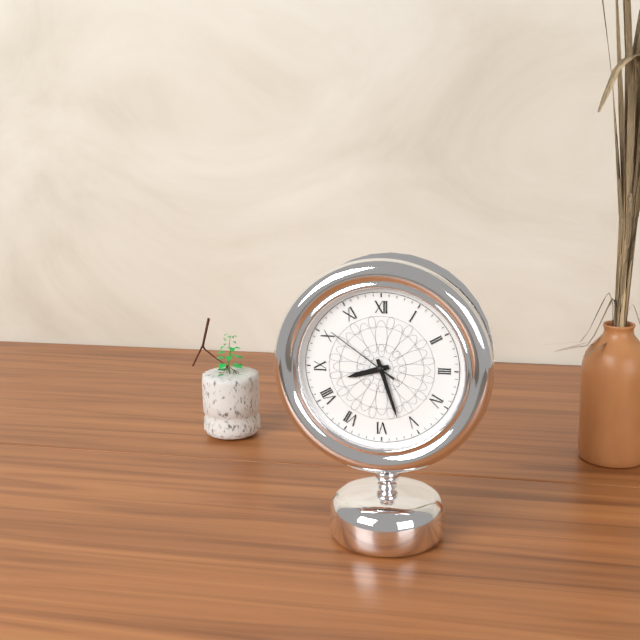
8:27:51
